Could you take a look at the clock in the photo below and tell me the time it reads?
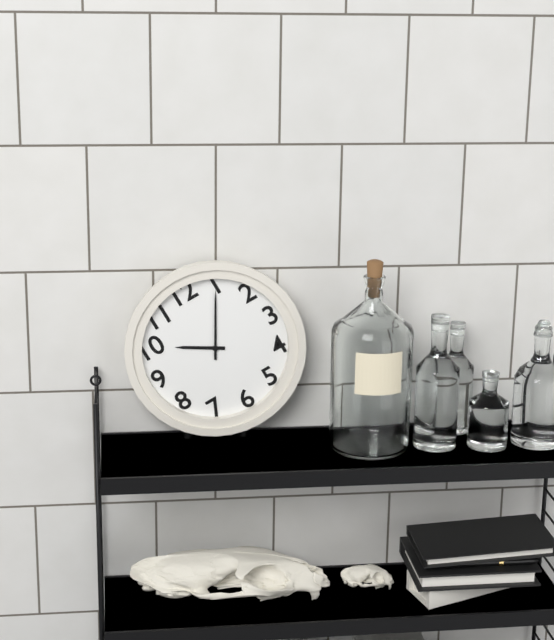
10:05
